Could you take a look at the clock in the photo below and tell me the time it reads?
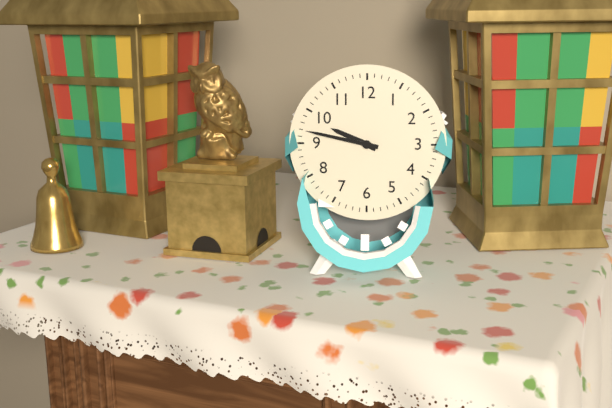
9:47
